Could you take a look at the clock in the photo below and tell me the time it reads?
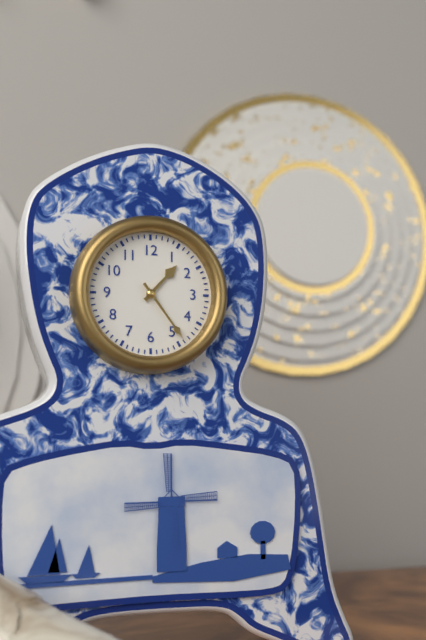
1:24
